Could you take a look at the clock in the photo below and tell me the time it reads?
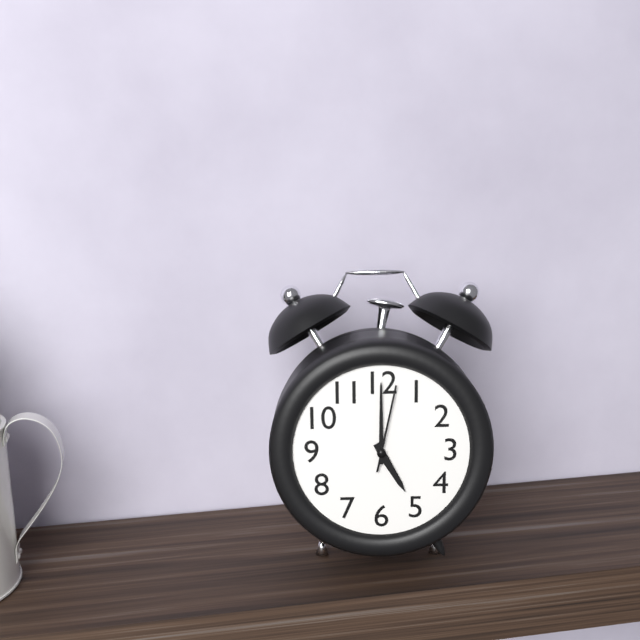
5:00:02
